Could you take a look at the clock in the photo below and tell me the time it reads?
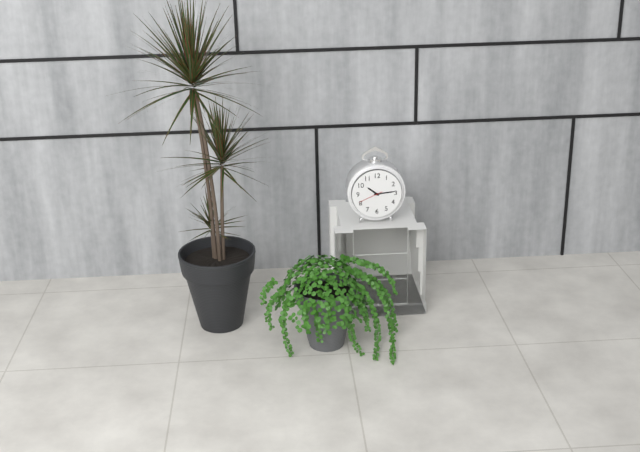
10:14
